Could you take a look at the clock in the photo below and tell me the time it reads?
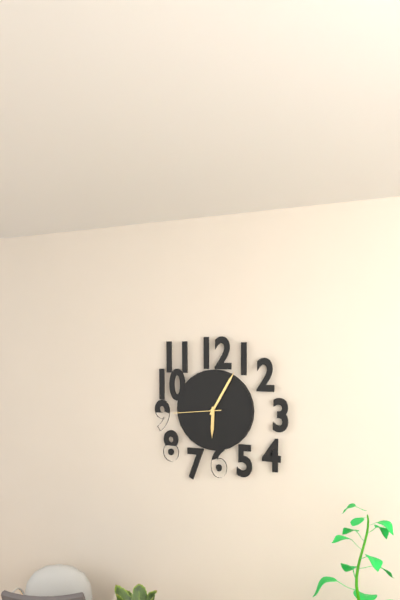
6:05
